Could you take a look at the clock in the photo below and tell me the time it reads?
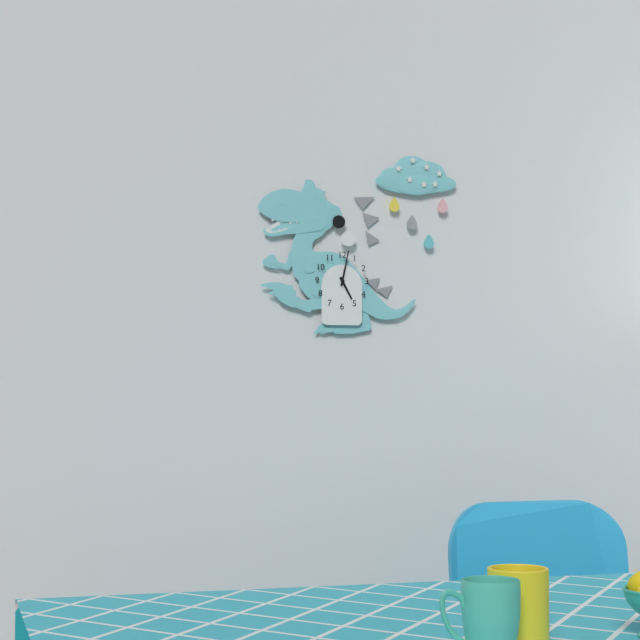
5:02
